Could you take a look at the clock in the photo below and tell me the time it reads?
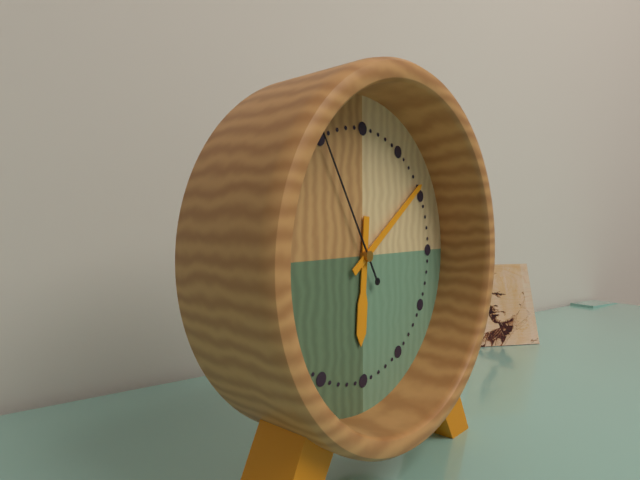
6:09:55
